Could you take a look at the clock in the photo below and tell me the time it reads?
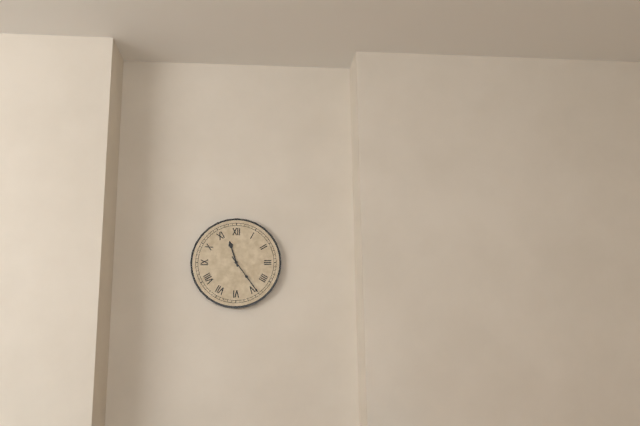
11:24
